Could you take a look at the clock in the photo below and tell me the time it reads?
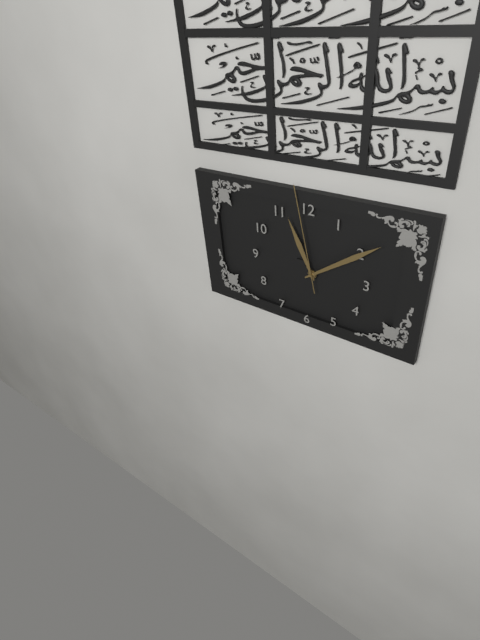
11:09:58
